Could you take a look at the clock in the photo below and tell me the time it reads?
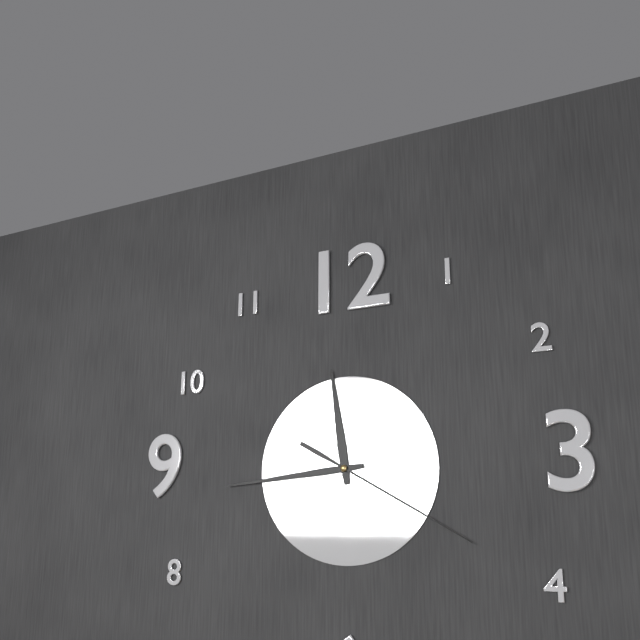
11:44:20
